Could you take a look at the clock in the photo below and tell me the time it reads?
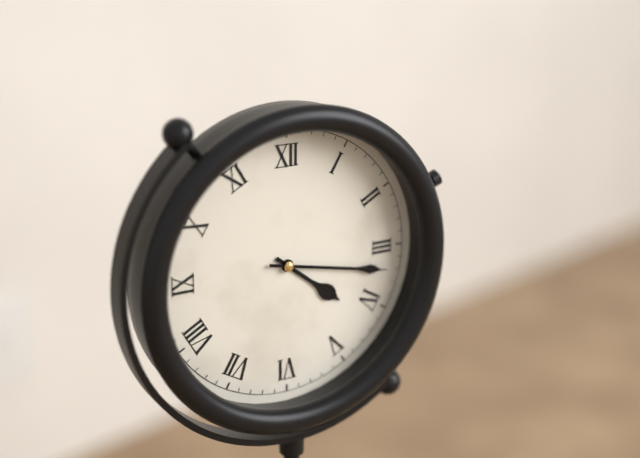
4:17
